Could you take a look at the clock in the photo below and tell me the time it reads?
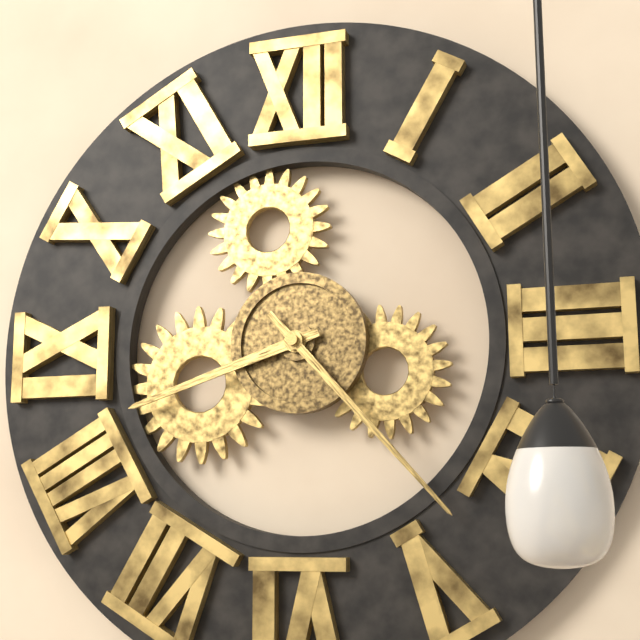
8:23
